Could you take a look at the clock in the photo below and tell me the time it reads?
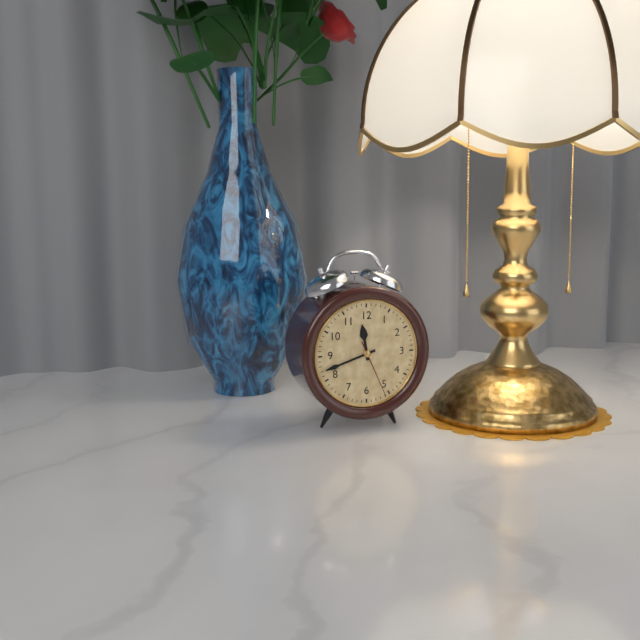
11:42:26
